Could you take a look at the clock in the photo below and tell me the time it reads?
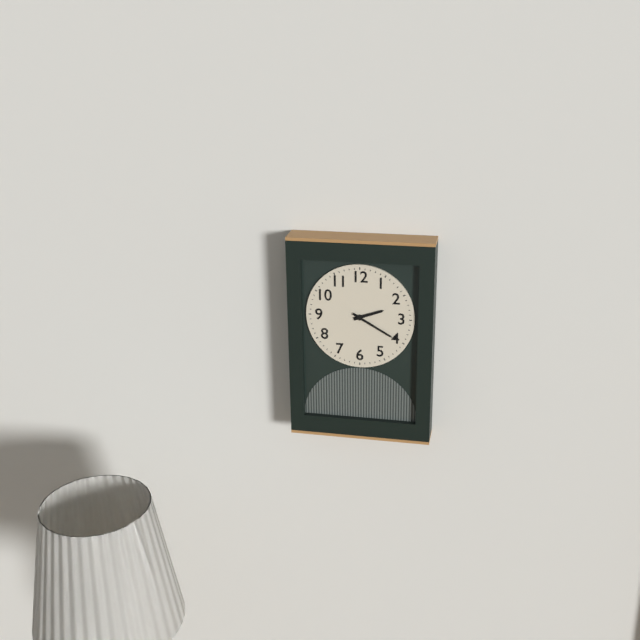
2:20
